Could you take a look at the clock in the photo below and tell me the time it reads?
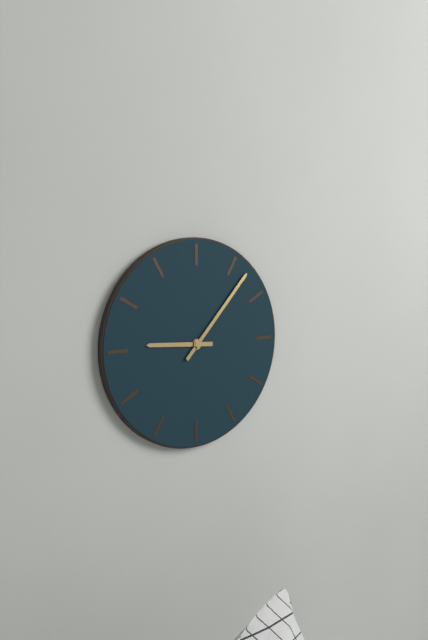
9:07
